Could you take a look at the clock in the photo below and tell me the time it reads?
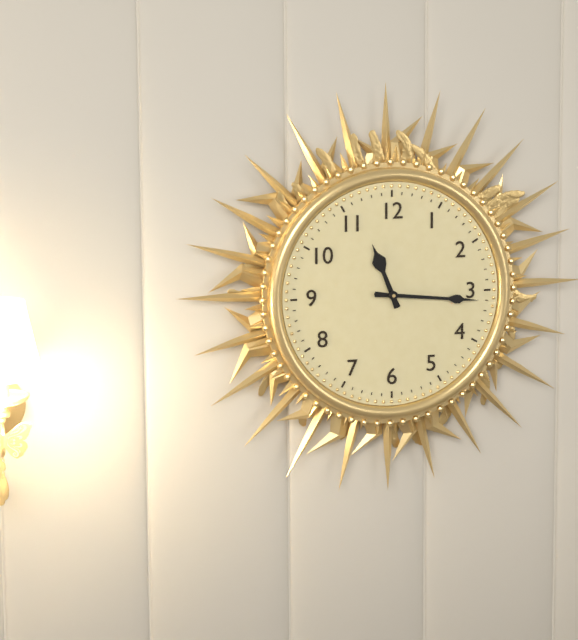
11:16
